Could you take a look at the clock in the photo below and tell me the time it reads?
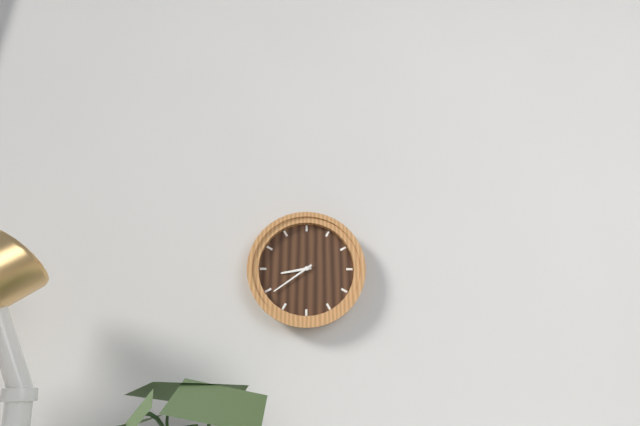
8:39
